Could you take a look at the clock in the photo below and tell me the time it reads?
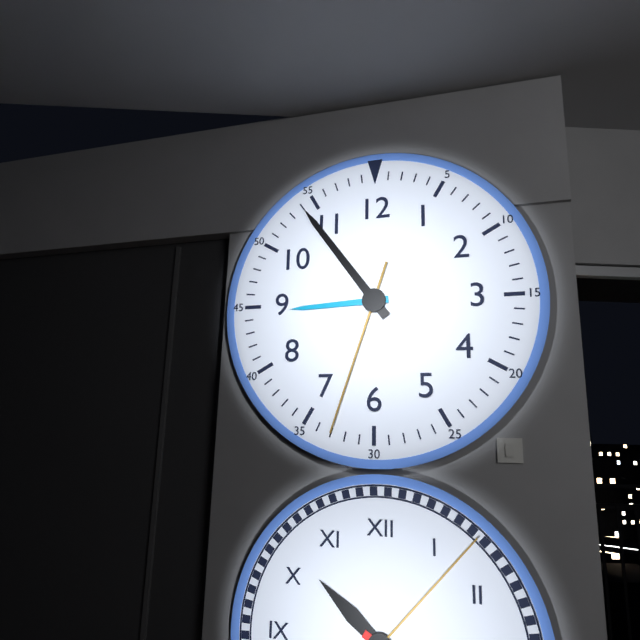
8:54:33
